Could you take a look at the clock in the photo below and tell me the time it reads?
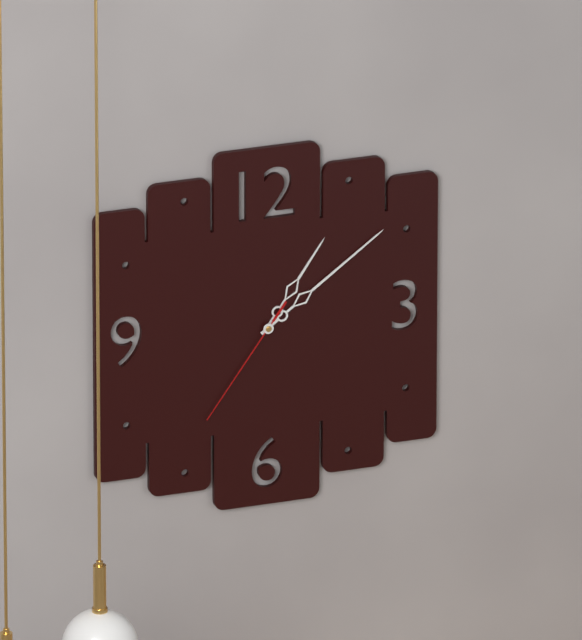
1:09:36
